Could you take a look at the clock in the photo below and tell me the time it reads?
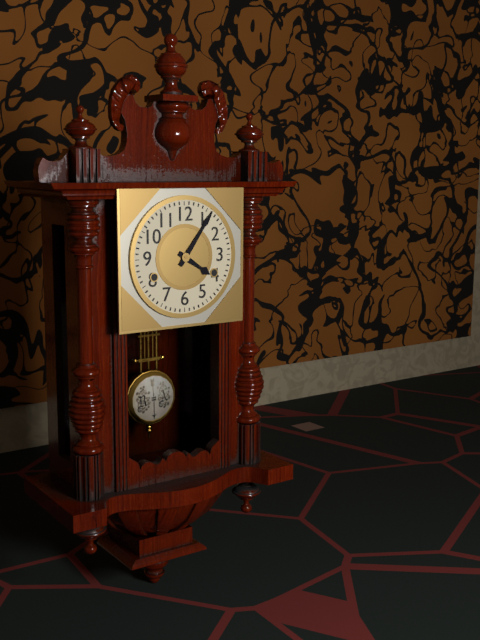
4:06
